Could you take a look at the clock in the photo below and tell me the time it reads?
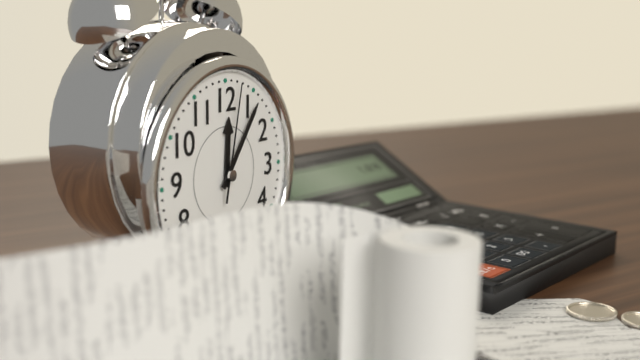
12:06:02
